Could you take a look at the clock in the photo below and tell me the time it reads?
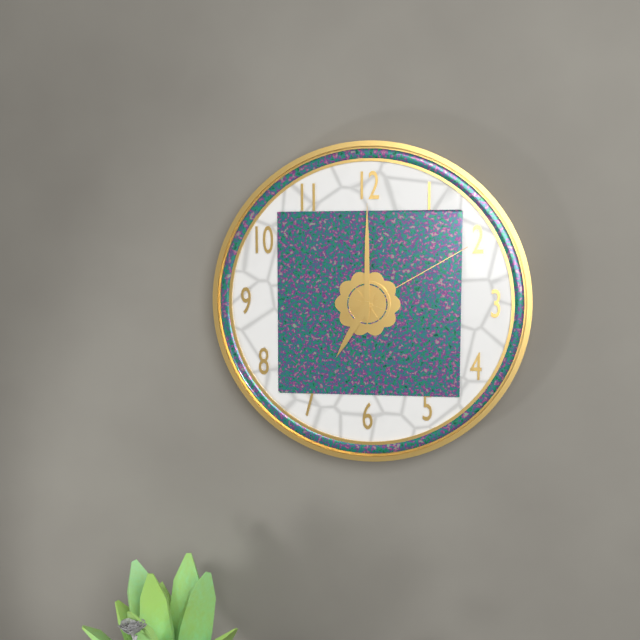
7:00:10
